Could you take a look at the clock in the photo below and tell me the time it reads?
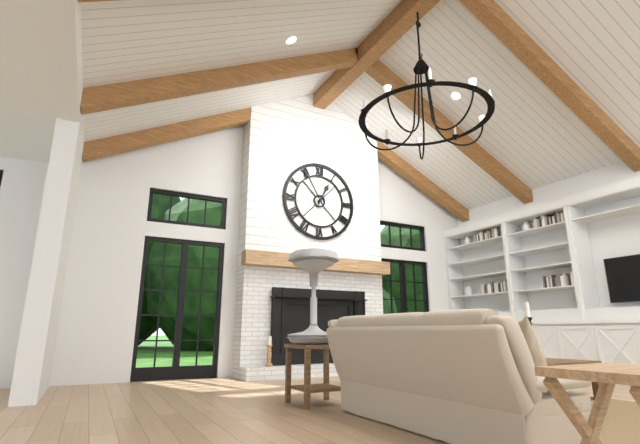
12:55
